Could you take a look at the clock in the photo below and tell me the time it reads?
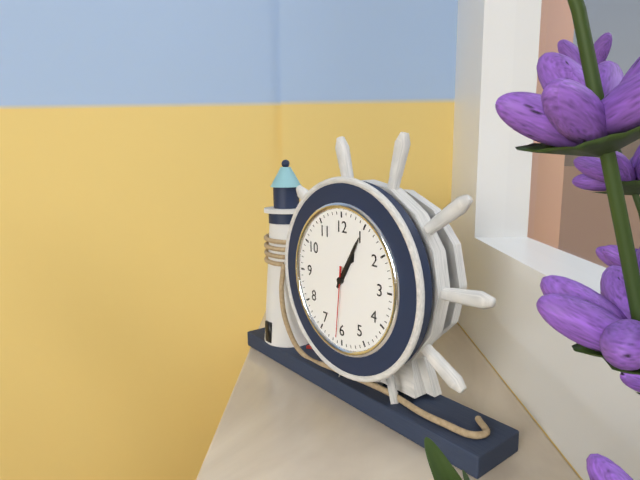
1:05:31
